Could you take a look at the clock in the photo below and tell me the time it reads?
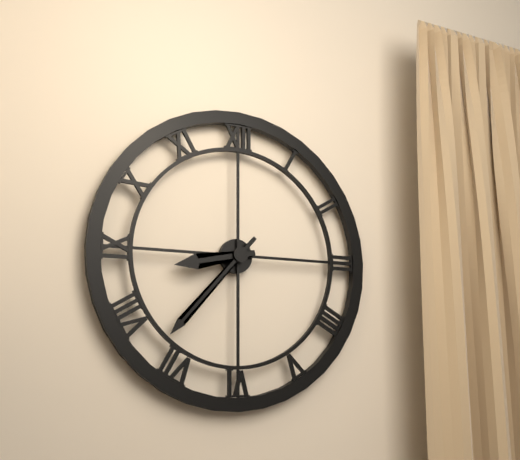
8:37
